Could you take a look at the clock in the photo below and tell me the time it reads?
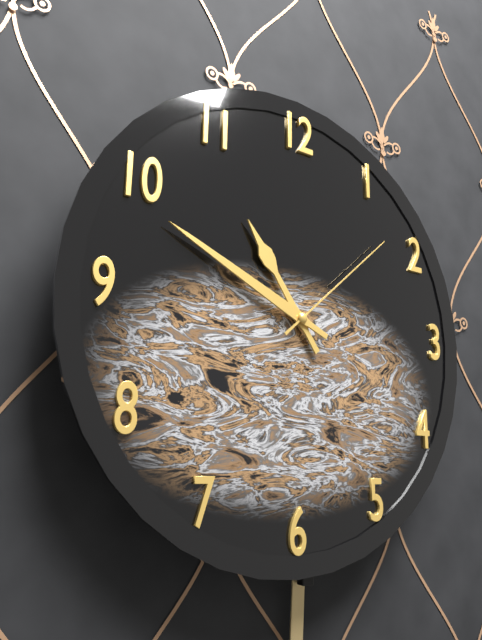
10:49:08
